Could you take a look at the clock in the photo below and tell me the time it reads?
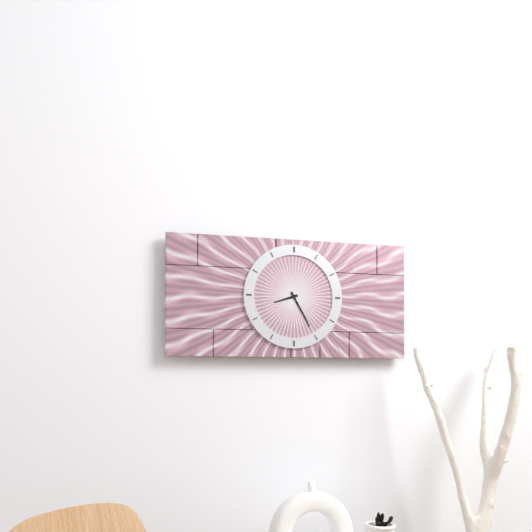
8:25
